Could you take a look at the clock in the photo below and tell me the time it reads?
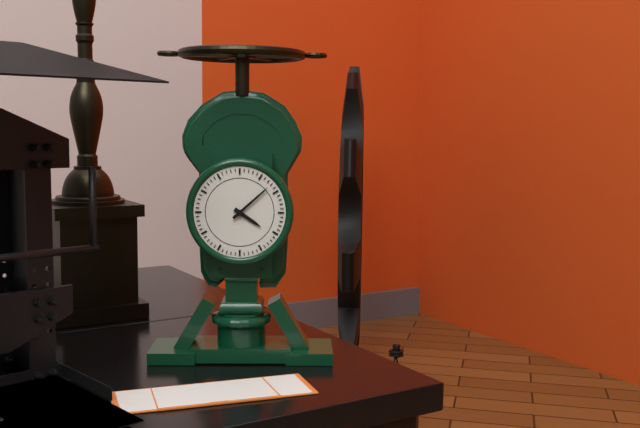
4:08
